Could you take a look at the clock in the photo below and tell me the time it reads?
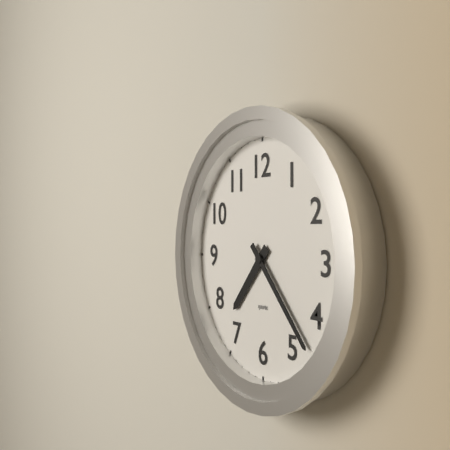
7:23
